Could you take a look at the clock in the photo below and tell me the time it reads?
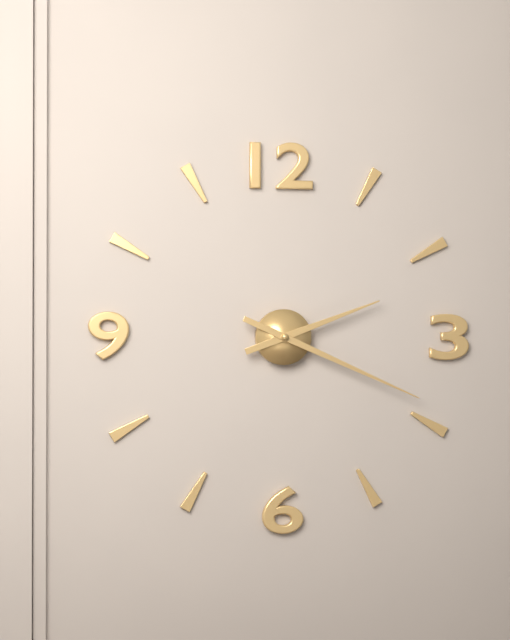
2:19
